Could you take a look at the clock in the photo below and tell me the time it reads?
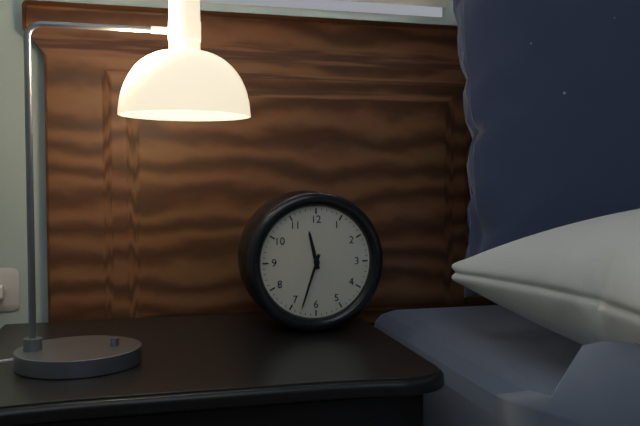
11:33
